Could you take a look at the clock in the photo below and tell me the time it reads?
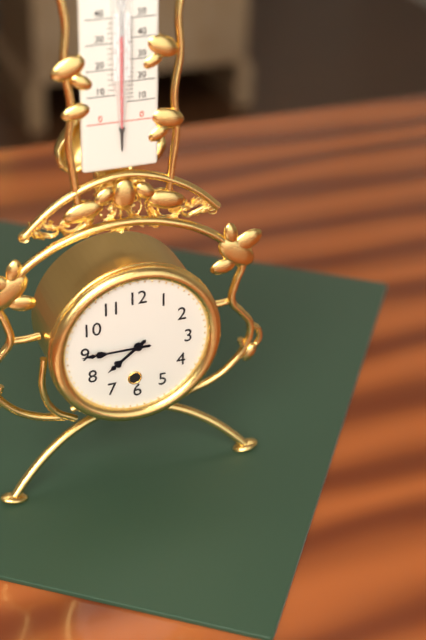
7:45
